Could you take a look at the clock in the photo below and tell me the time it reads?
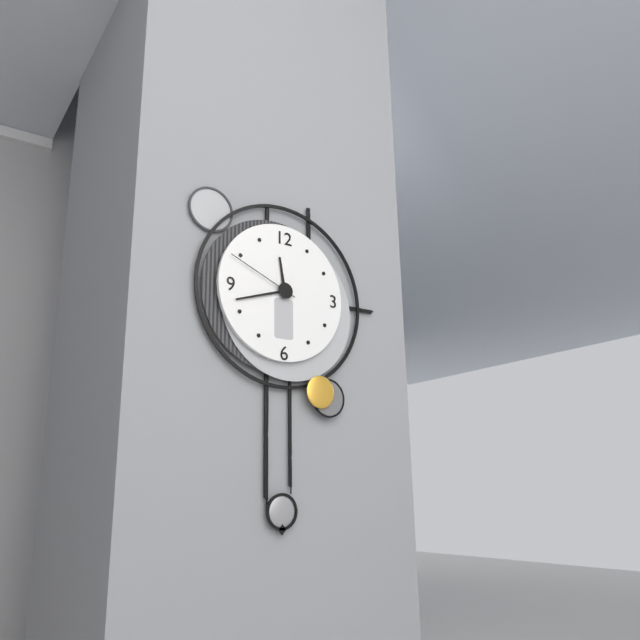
11:42:49
